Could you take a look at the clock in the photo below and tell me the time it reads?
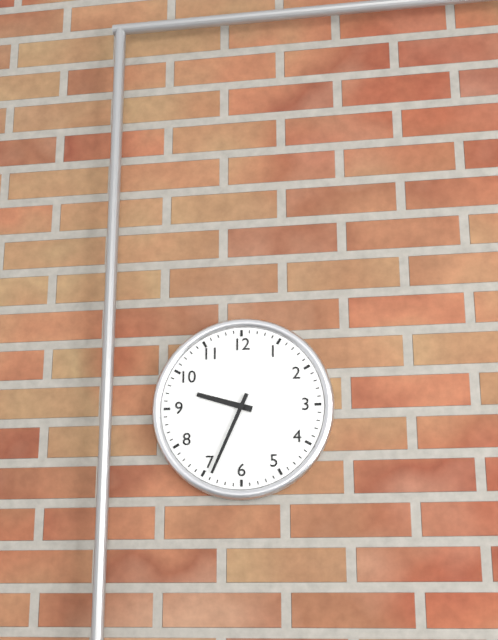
9:34
